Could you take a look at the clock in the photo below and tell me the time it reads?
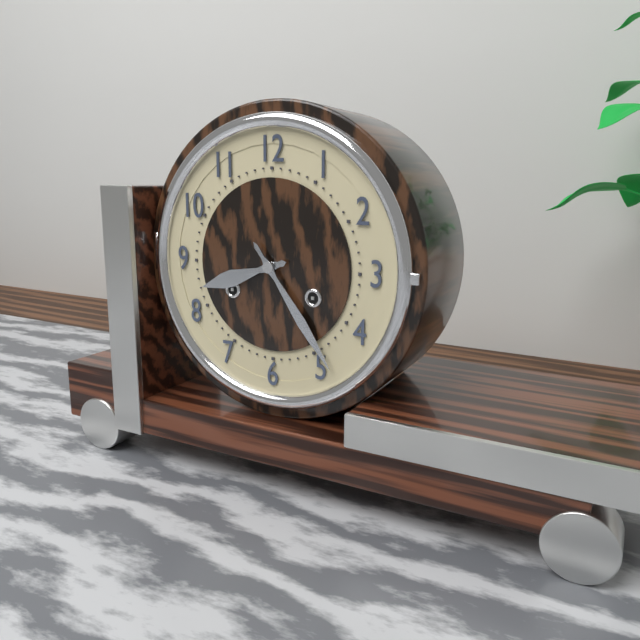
8:24
